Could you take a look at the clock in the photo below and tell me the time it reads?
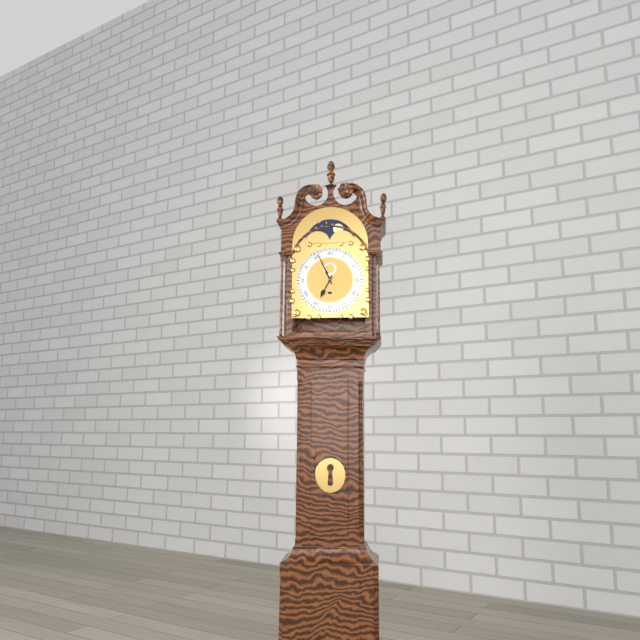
6:56
